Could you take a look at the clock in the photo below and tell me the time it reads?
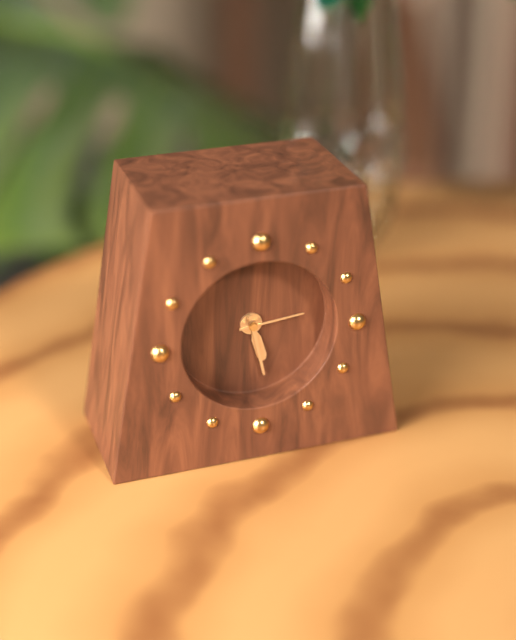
5:28:14
